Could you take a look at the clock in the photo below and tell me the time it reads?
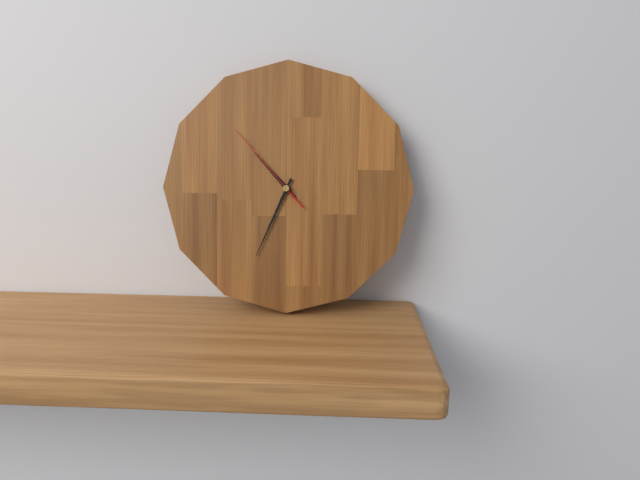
10:34:53
